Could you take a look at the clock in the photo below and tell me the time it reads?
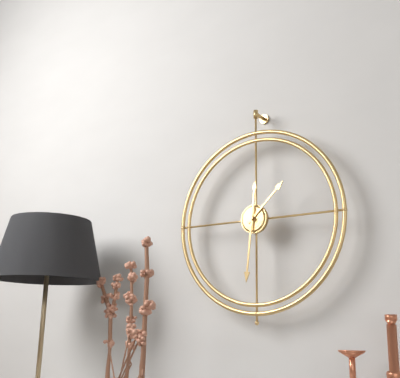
1:31
